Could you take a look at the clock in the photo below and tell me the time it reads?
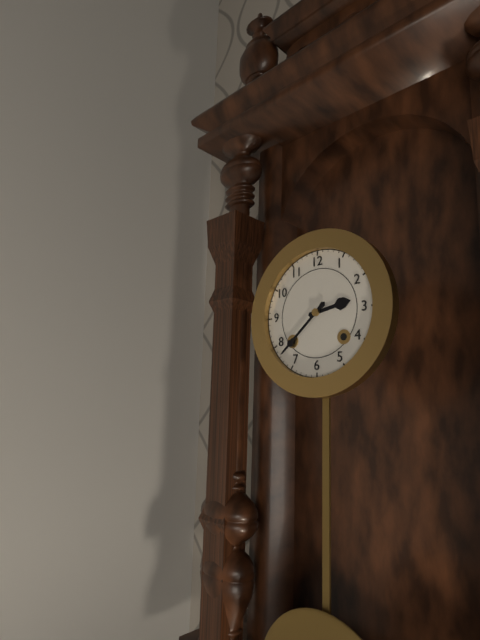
2:38
